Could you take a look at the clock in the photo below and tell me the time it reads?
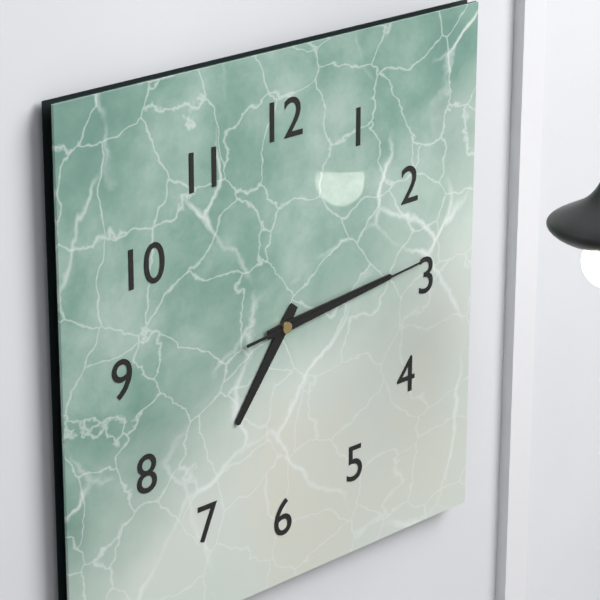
7:14:14
